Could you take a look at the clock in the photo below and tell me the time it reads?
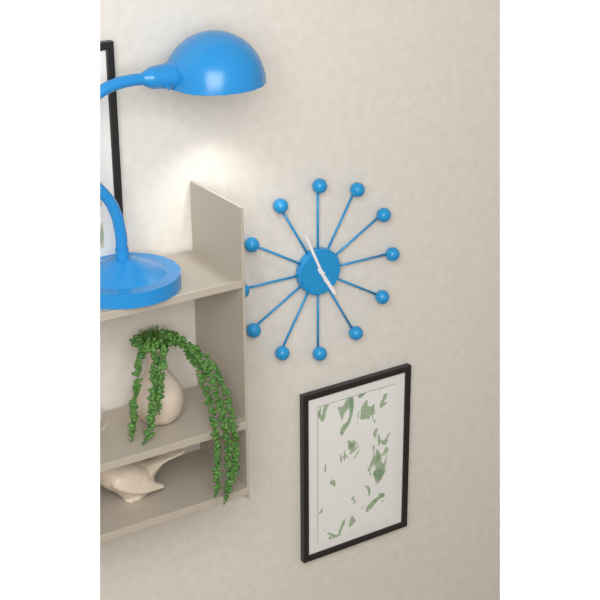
4:56
